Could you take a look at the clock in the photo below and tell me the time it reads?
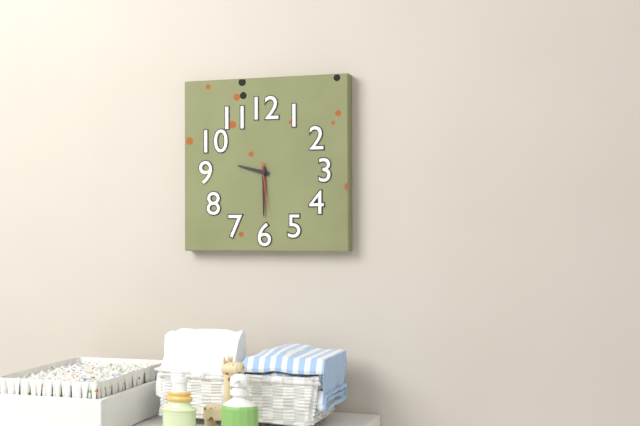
9:30:29
